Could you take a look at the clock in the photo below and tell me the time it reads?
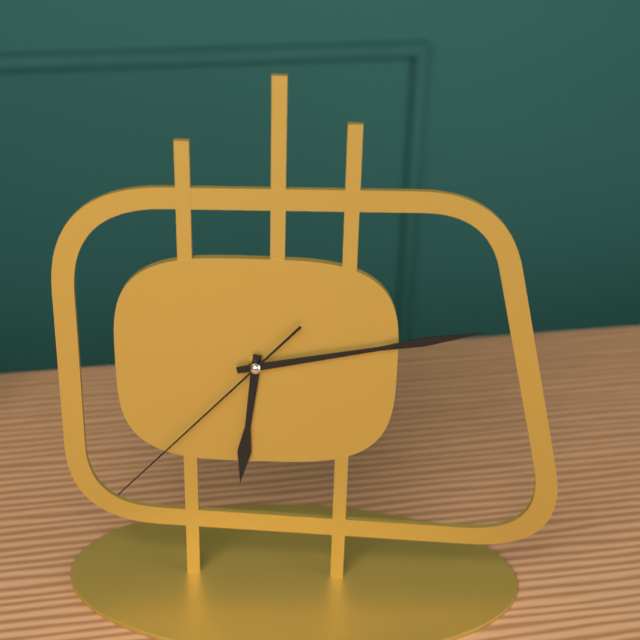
6:13:37
